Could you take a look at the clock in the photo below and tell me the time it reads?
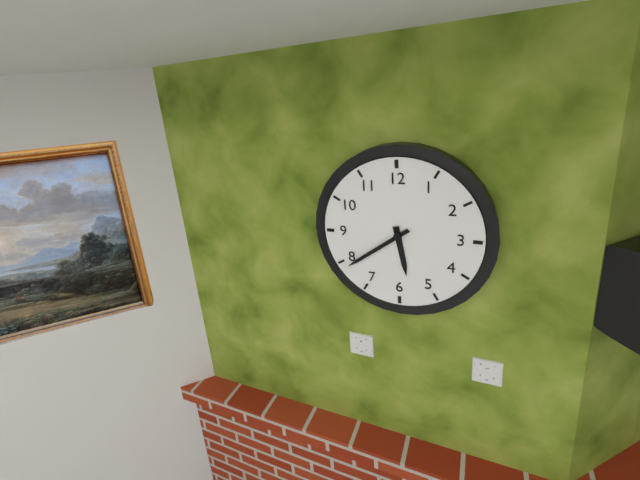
5:39
